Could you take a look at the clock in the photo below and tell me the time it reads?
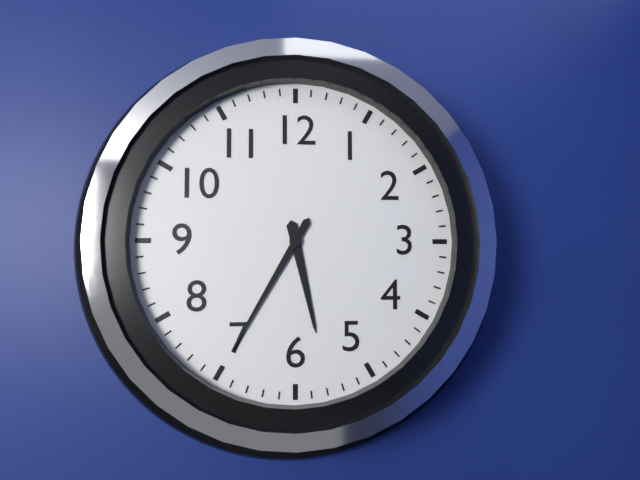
5:35
